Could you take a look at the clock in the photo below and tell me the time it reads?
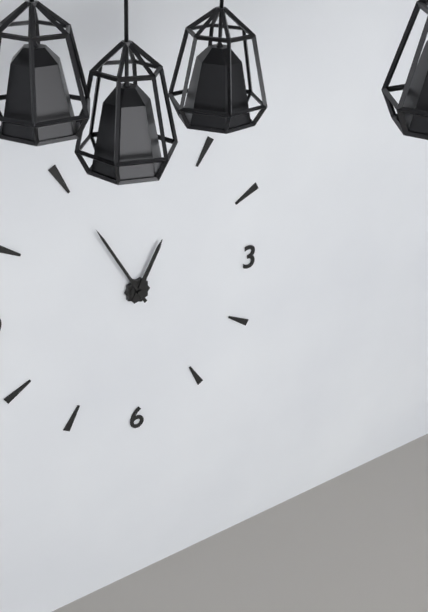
12:55
